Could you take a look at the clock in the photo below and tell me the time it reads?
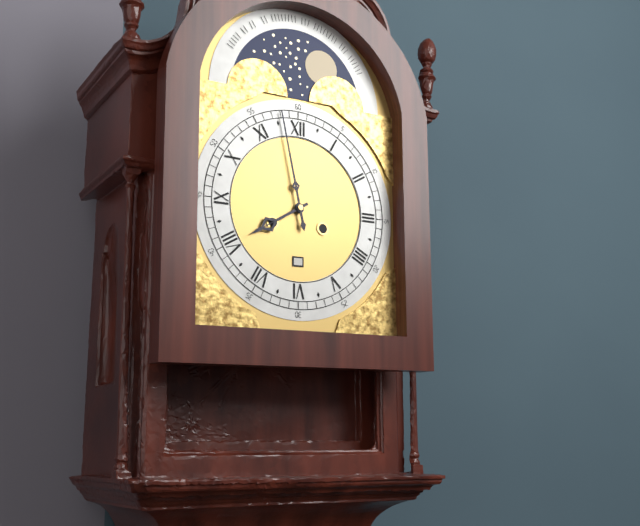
7:58
